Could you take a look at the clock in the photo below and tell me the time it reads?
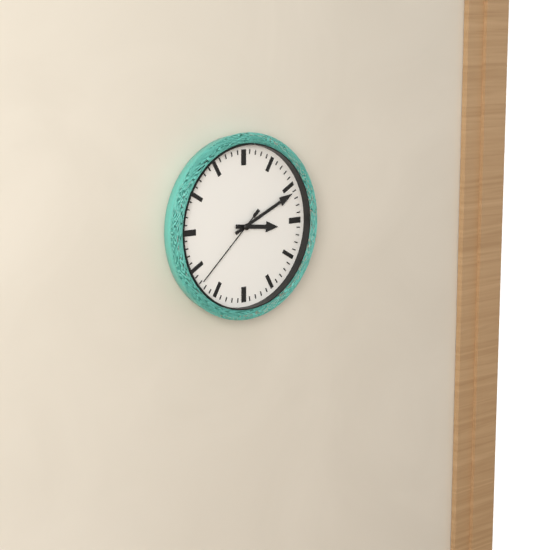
3:11:38
